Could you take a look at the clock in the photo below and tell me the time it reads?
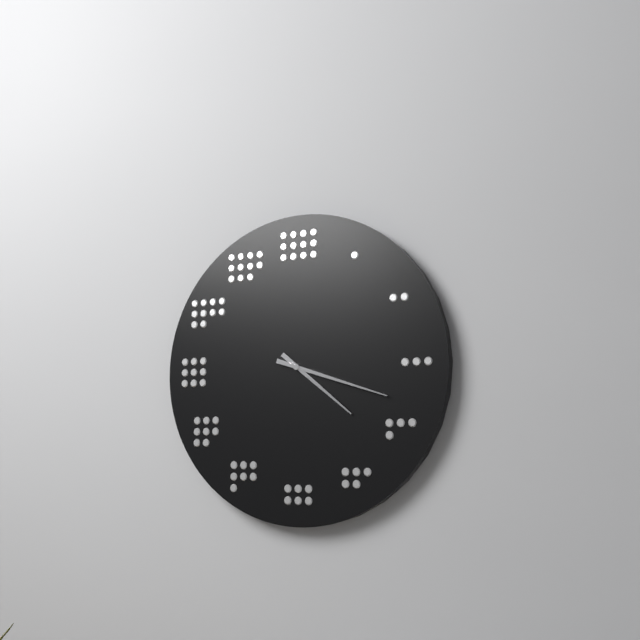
4:18
